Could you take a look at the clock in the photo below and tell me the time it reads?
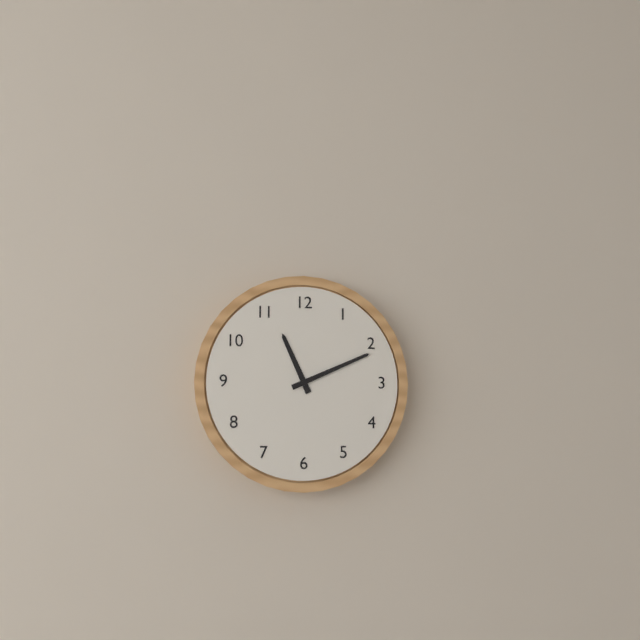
11:11
